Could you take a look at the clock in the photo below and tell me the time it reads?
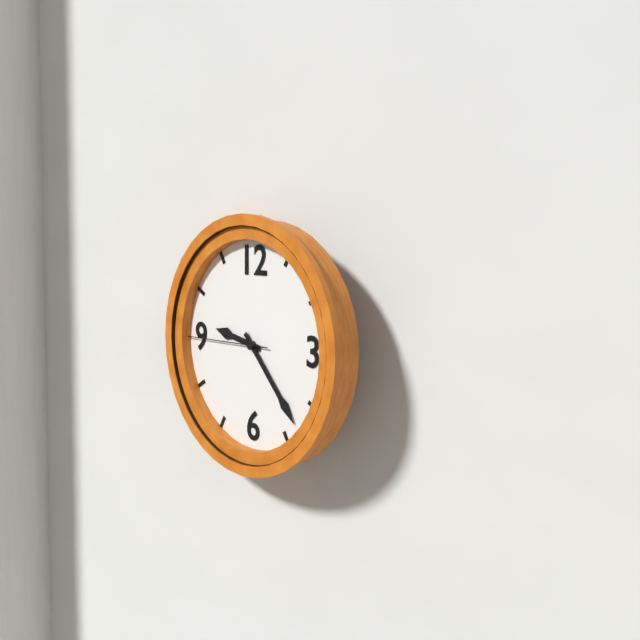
9:23:45
